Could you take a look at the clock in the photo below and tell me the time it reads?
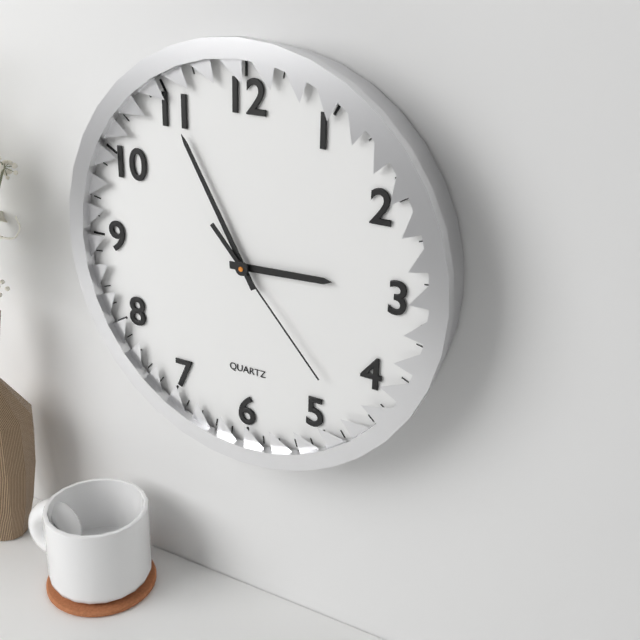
2:55:23
